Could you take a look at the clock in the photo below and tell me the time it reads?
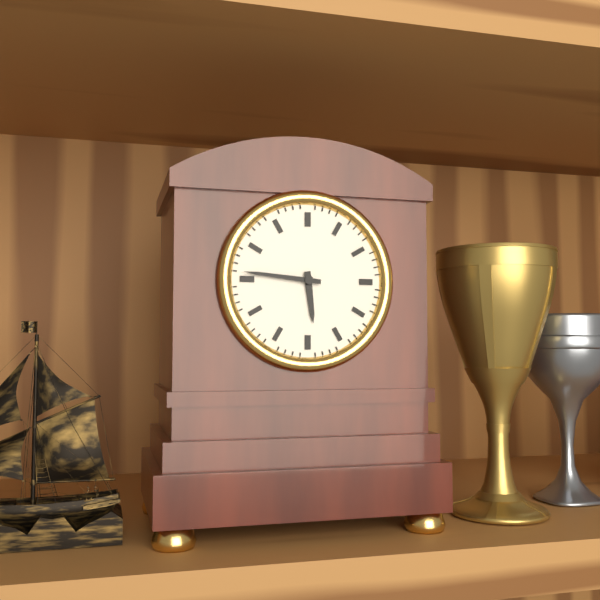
5:46
